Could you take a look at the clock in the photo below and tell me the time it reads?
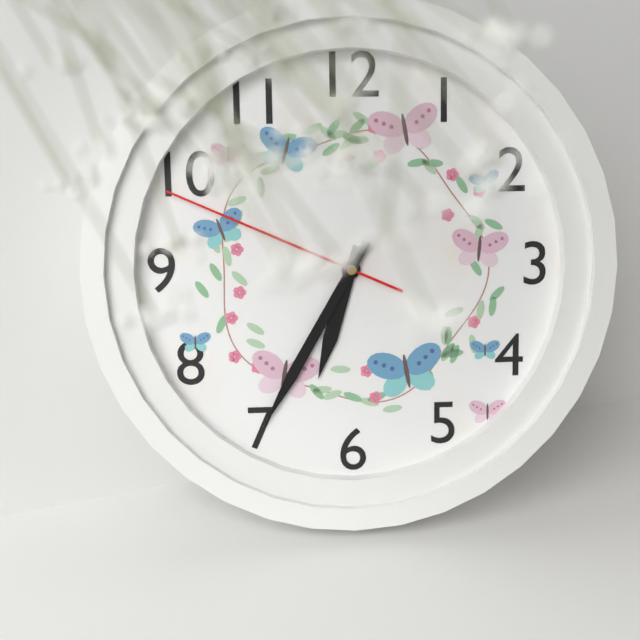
6:35:49
